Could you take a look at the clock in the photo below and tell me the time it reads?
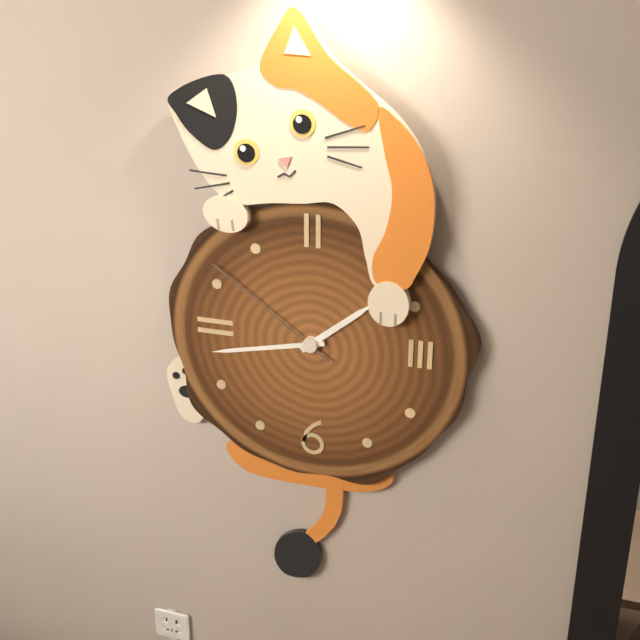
1:43:51
